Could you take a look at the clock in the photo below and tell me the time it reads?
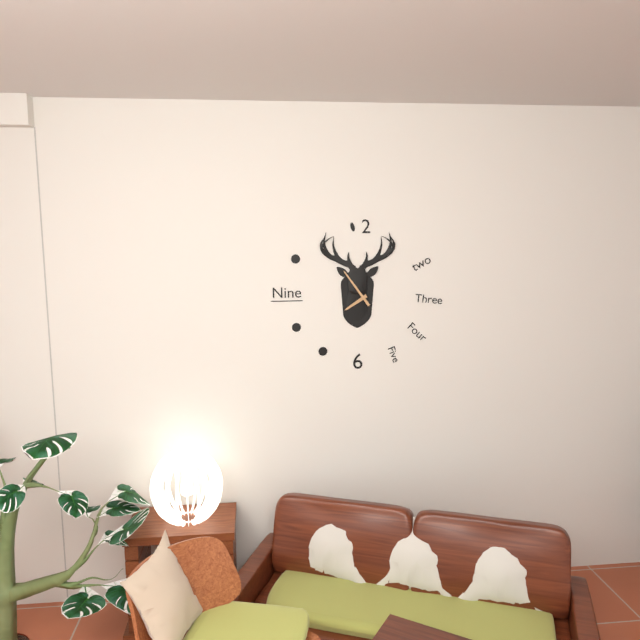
7:54
